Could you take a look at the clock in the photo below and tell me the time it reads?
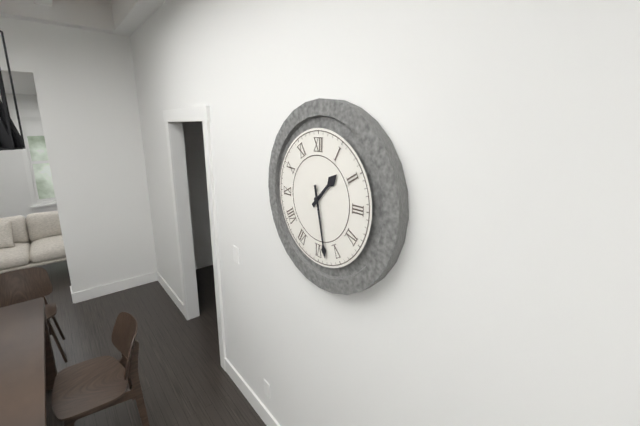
1:28
